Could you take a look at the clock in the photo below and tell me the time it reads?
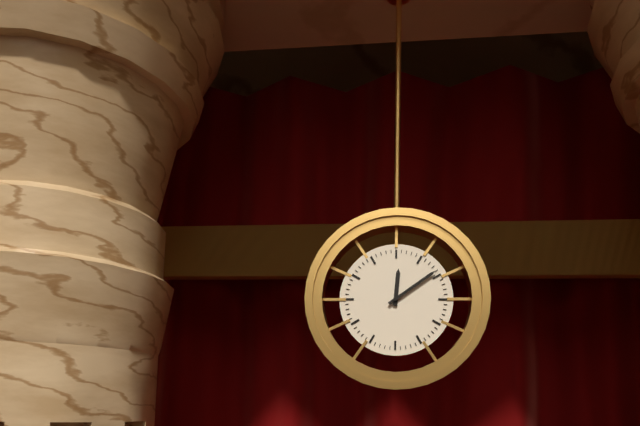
12:09
